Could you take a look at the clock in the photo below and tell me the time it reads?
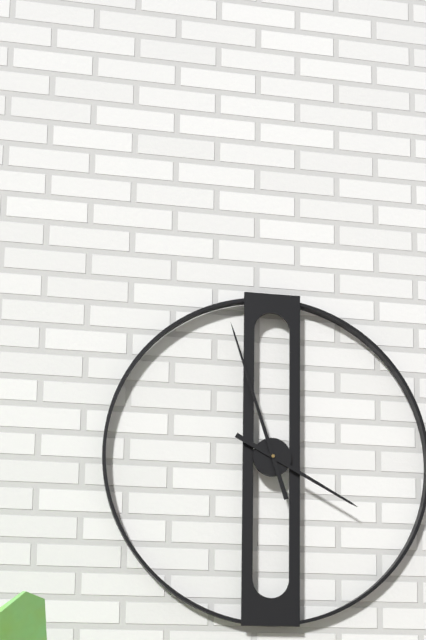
3:57
